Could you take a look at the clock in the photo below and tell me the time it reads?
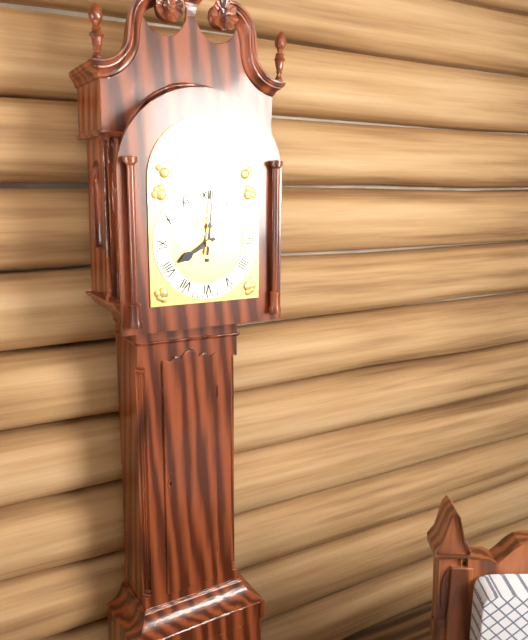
8:01
